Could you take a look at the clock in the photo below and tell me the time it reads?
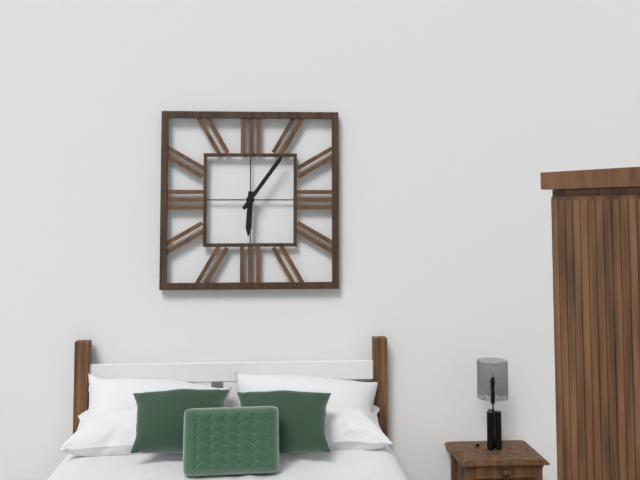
6:06
